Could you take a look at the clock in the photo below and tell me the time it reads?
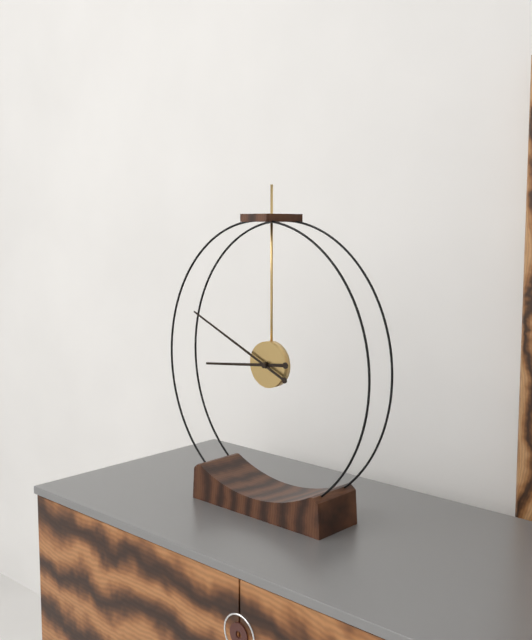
8:49
